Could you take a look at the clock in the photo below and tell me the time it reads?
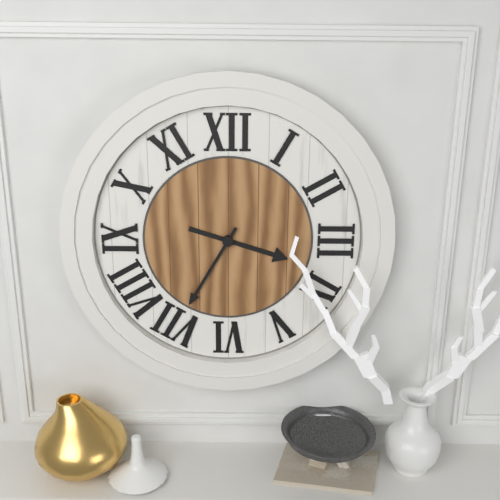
3:35
